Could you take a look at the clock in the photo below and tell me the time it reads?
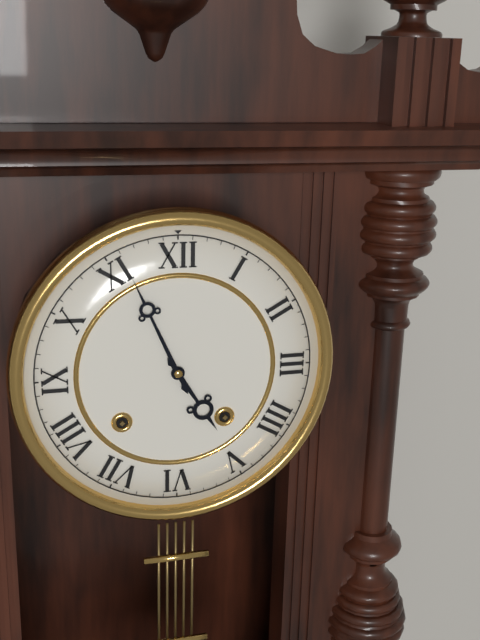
4:56
